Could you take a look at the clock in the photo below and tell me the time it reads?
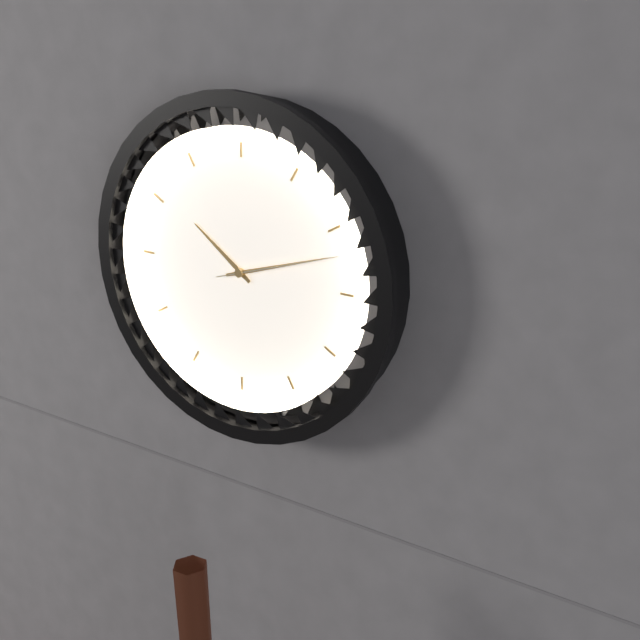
10:12:12
